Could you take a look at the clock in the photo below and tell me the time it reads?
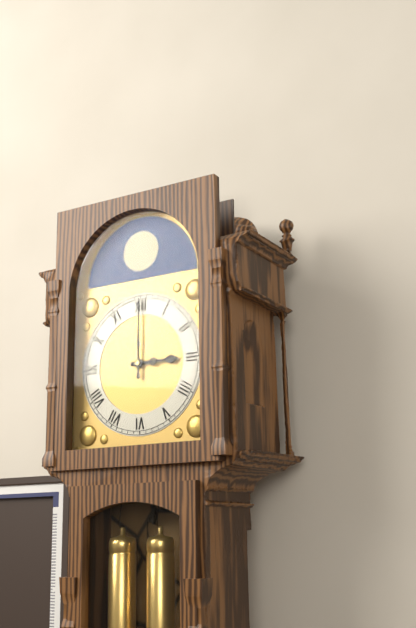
3:00
